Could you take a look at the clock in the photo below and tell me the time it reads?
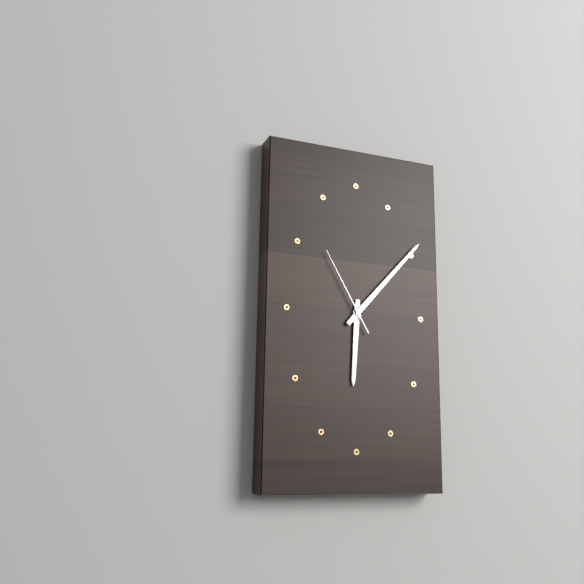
6:07:55
